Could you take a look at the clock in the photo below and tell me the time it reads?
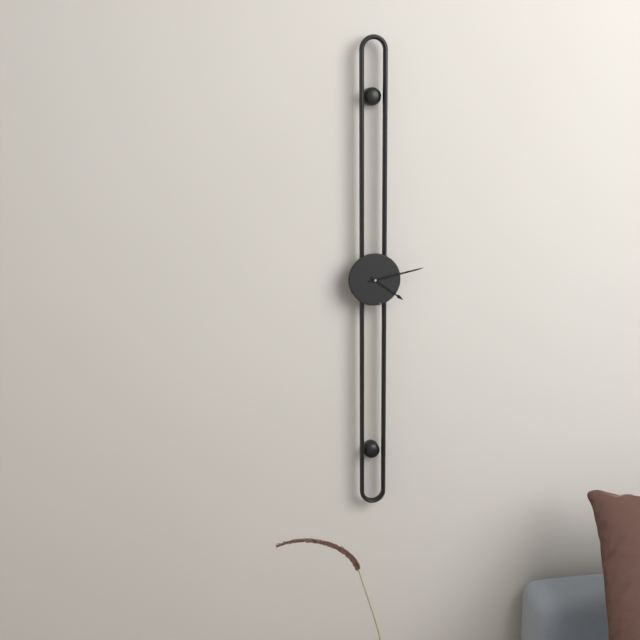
4:13
